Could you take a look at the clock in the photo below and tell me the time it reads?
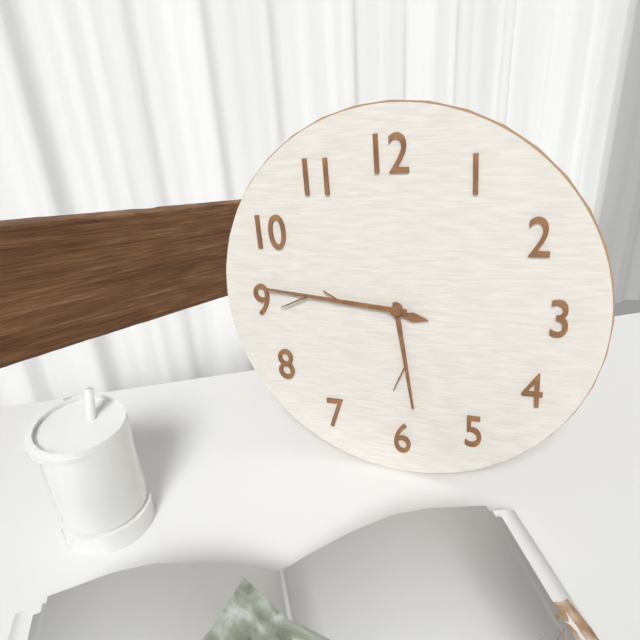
5:46
